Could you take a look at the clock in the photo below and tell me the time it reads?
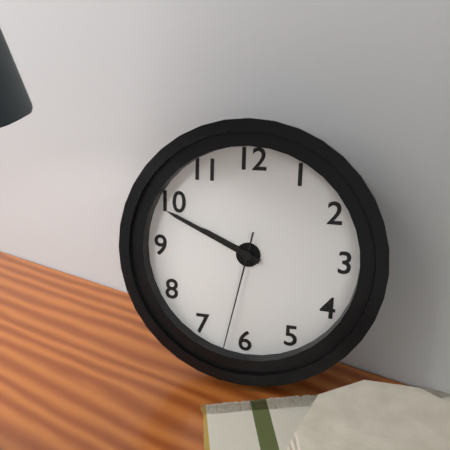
9:49:32
